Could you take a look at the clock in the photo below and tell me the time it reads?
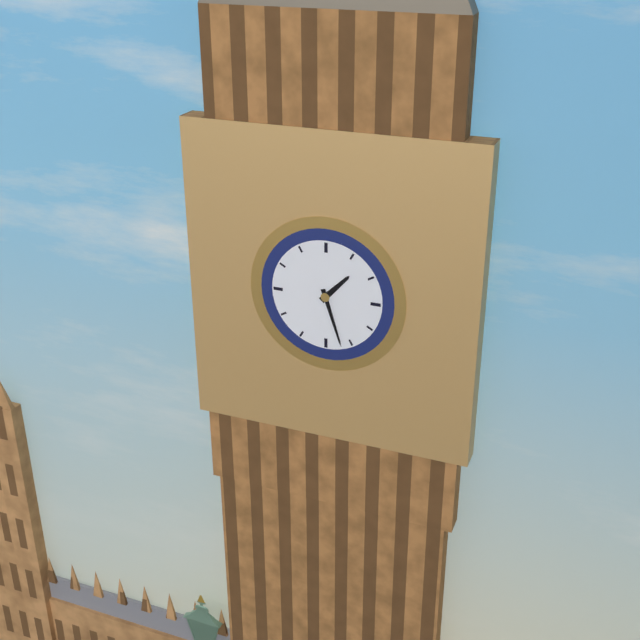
1:27
